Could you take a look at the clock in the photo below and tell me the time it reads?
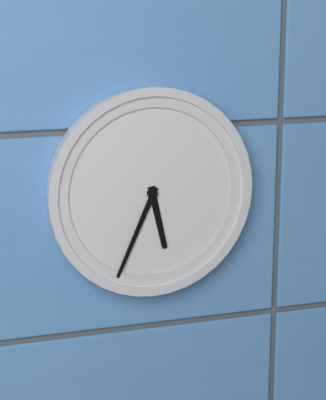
5:34
